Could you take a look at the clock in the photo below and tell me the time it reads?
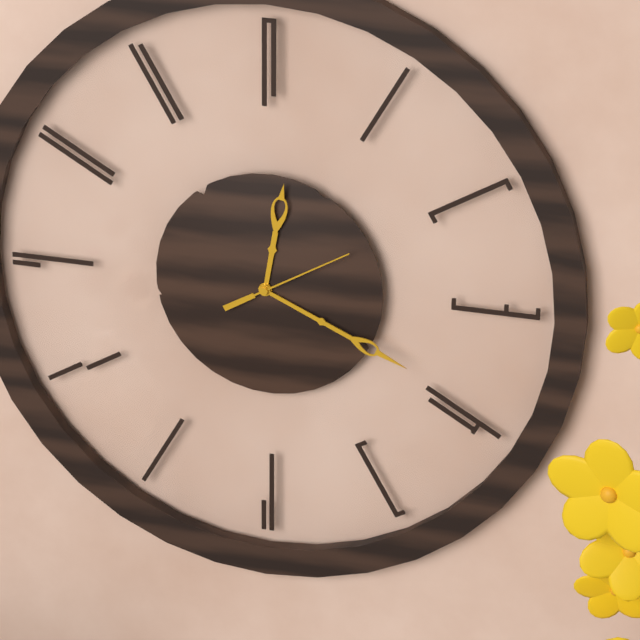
12:19:10
